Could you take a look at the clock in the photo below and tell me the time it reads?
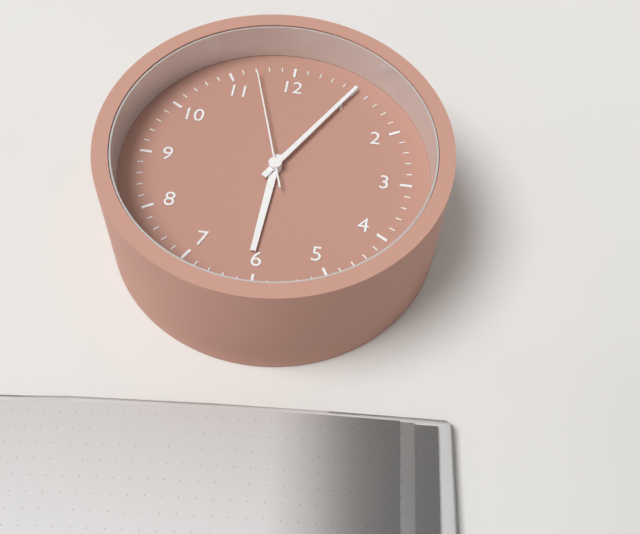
6:05:57
